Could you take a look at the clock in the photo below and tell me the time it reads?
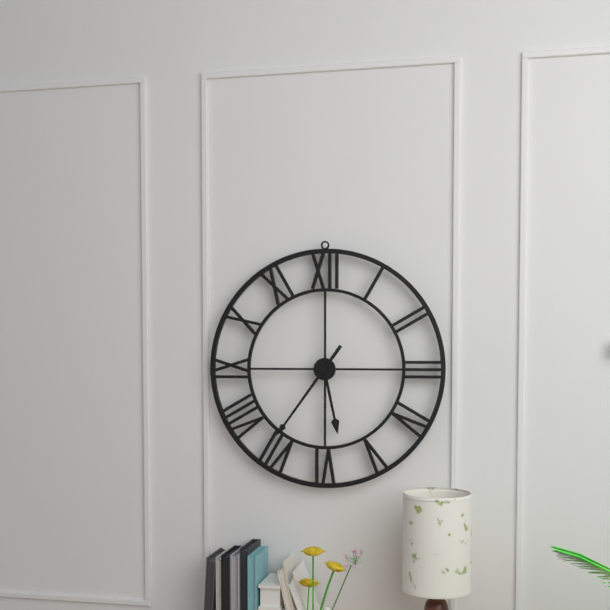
5:36
